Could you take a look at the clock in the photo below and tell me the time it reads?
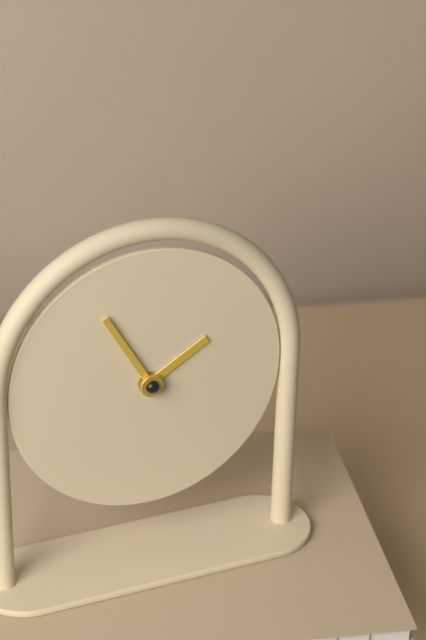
1:55
